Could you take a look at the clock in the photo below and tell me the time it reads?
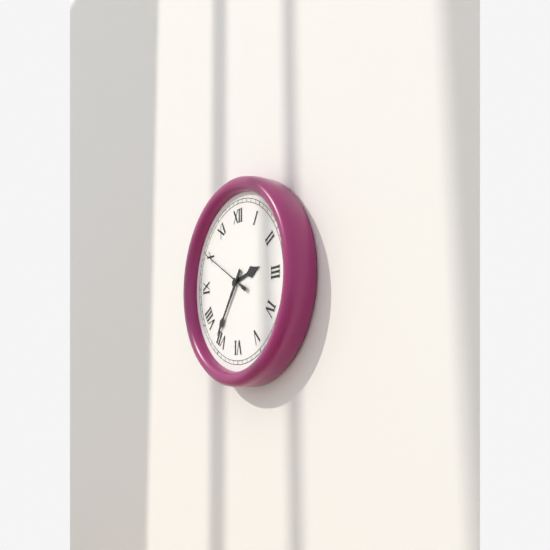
2:36:50
